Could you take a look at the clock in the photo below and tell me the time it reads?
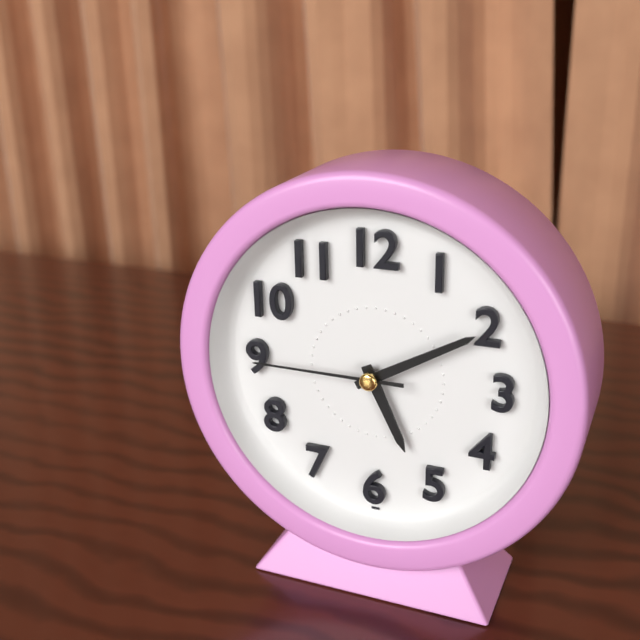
5:10:45
